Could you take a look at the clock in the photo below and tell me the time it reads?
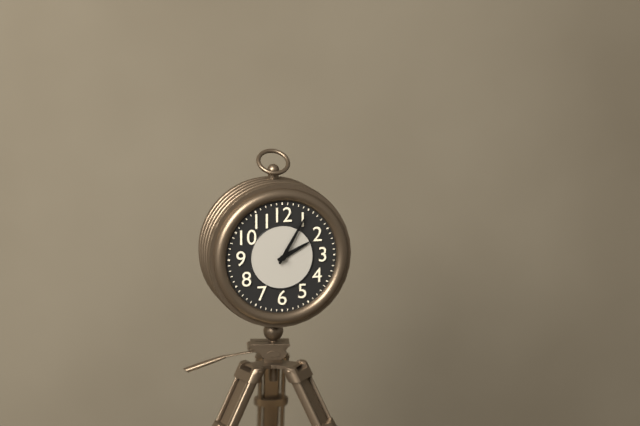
2:05
